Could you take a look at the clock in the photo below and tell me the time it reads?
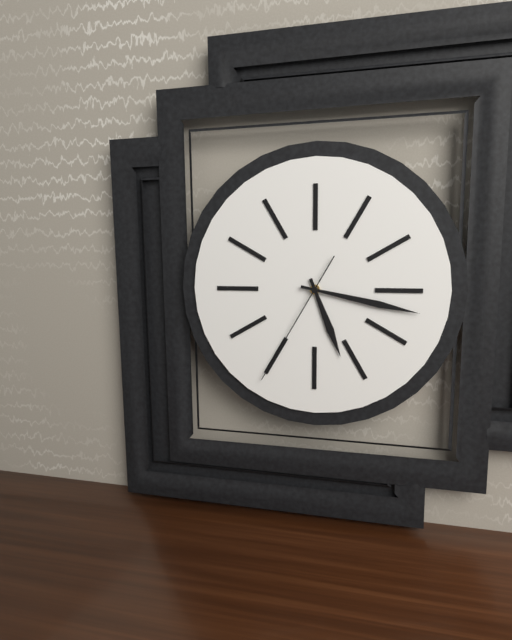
5:17:35
